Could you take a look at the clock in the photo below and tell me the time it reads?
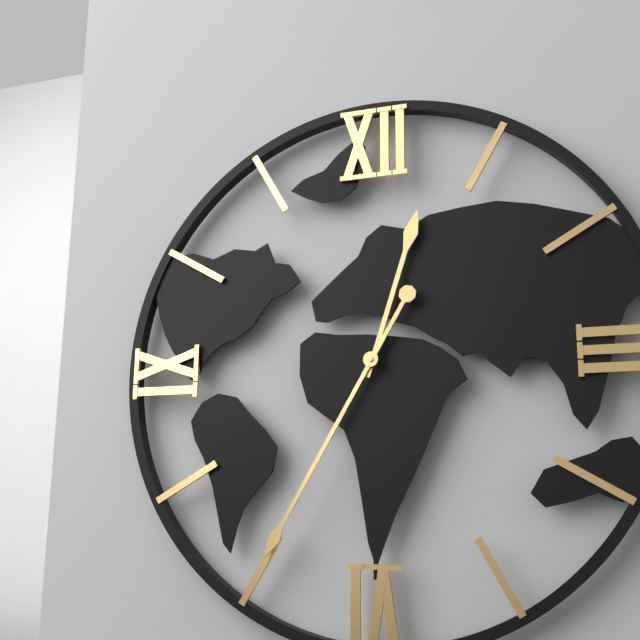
12:35
